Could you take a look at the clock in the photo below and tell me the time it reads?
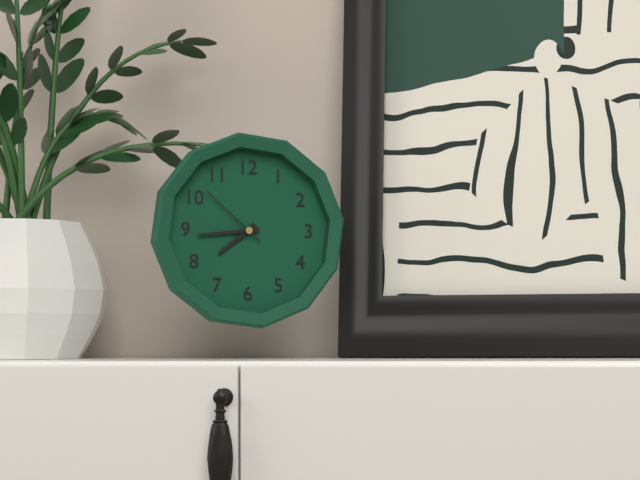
7:44:52
